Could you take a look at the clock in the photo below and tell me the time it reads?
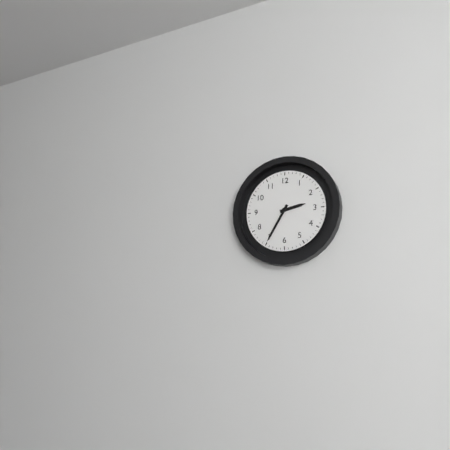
2:35
